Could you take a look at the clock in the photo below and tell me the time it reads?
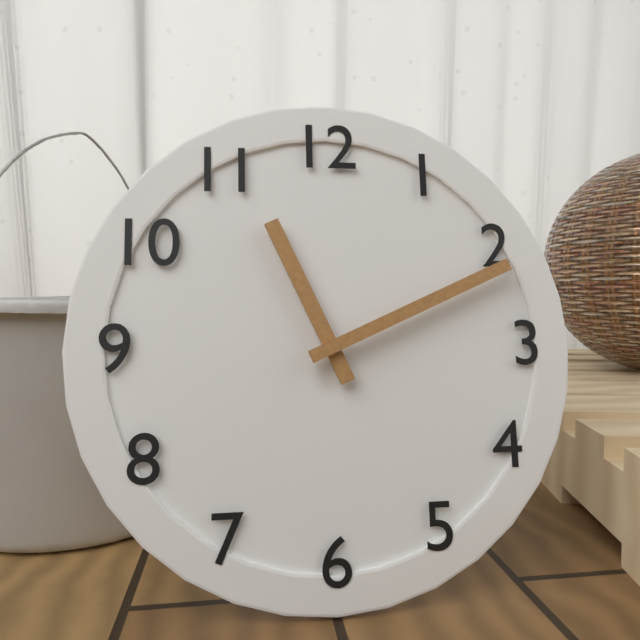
11:11
